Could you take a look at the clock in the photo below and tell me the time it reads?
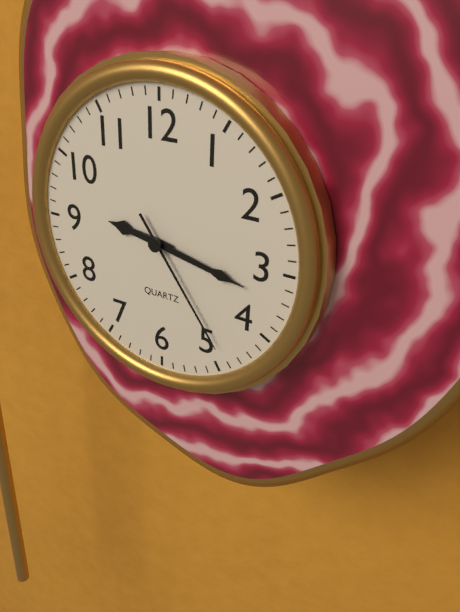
9:17:24
